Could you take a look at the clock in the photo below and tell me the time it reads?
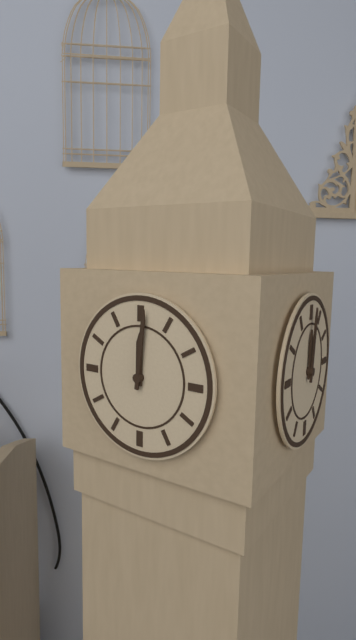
12:01
